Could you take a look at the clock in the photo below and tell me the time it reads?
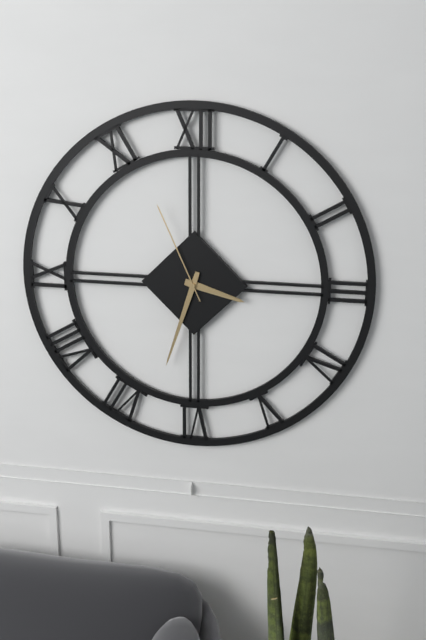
3:33:56
